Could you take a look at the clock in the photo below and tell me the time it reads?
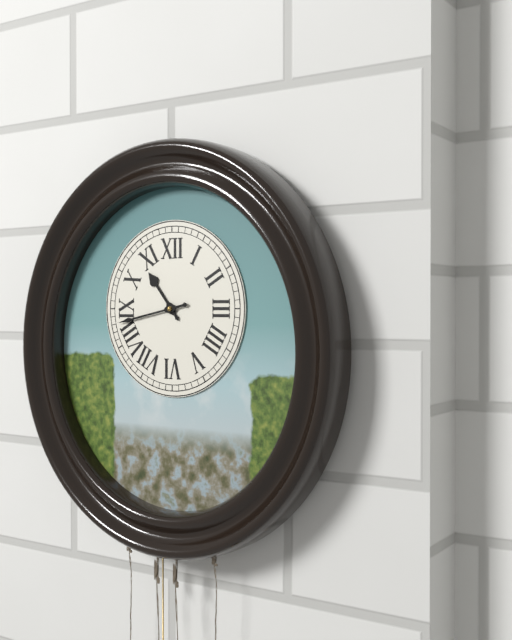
10:43
